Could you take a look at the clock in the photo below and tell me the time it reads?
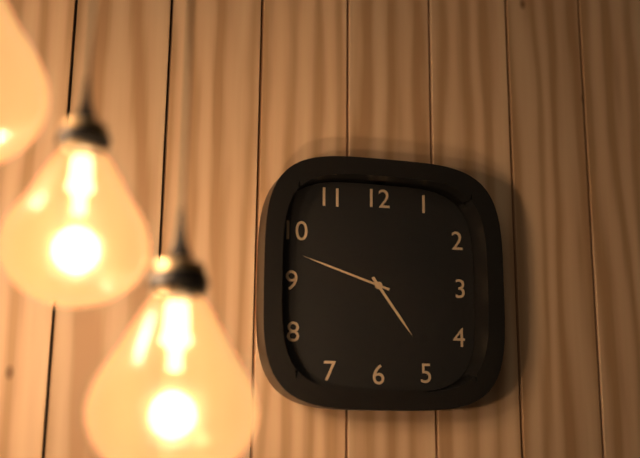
4:48
